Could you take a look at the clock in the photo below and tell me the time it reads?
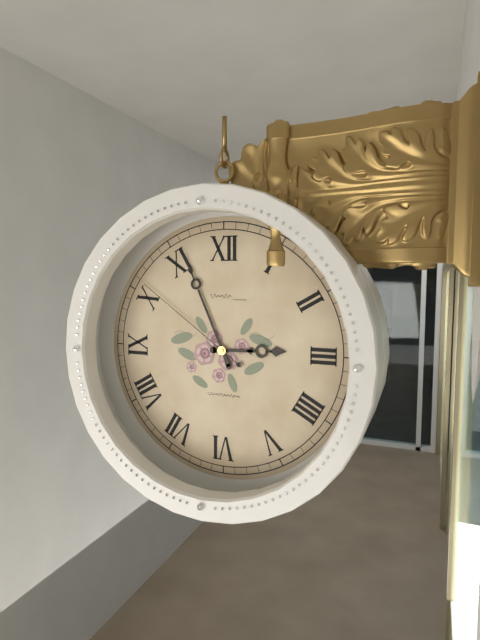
2:56:51
